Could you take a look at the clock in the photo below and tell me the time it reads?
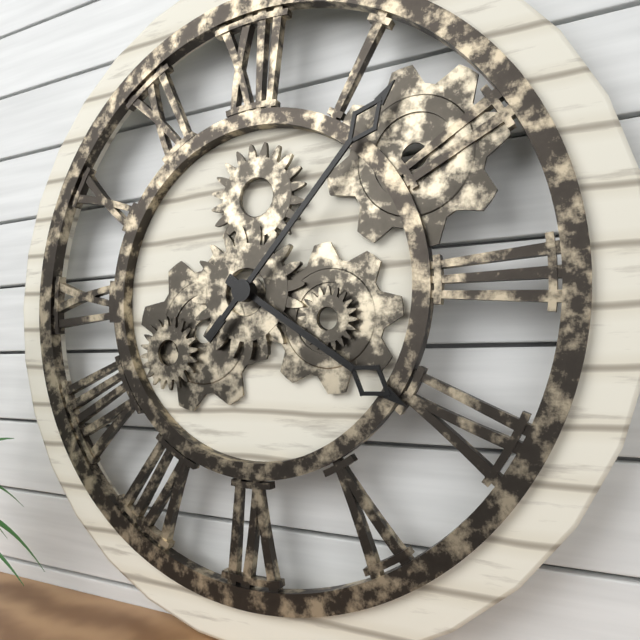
4:07
